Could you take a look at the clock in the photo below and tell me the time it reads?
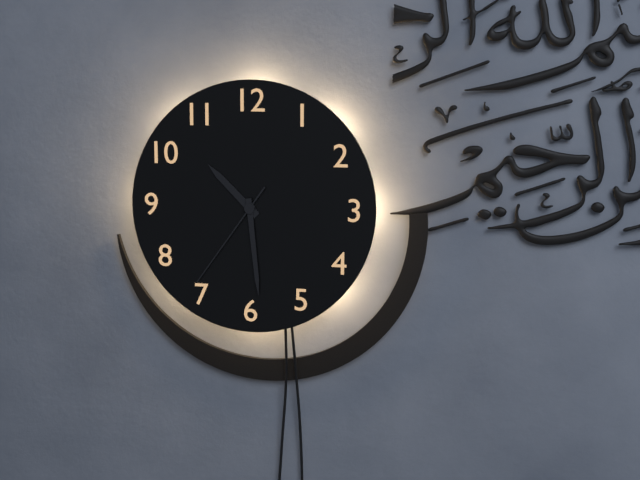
10:29:36
